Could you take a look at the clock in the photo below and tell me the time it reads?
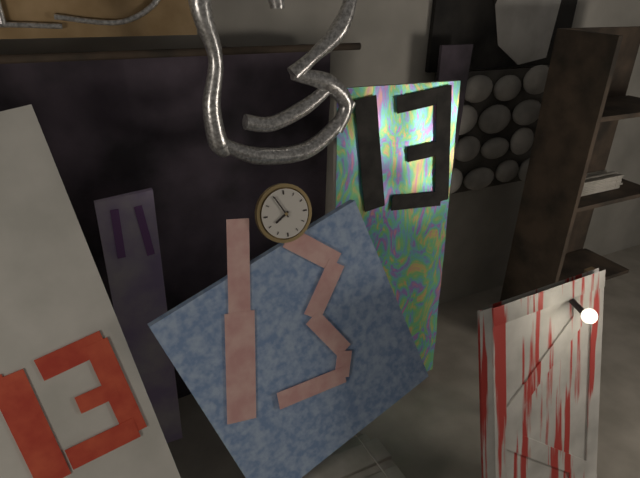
7:55
